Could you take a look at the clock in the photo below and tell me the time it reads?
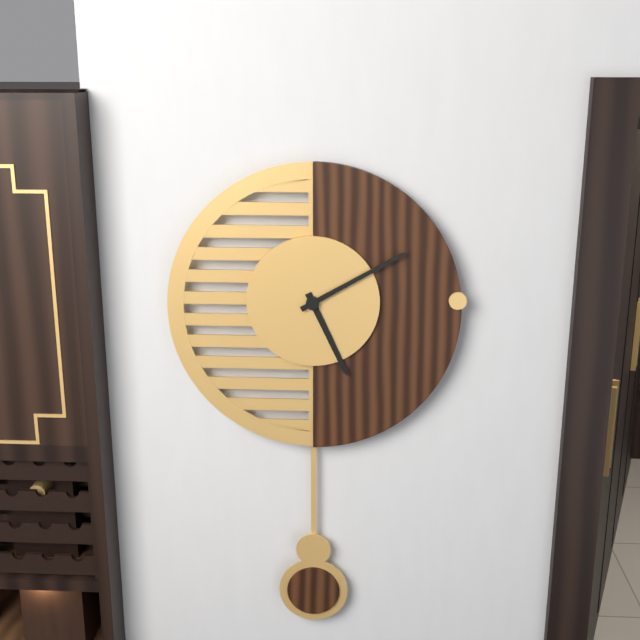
5:10
